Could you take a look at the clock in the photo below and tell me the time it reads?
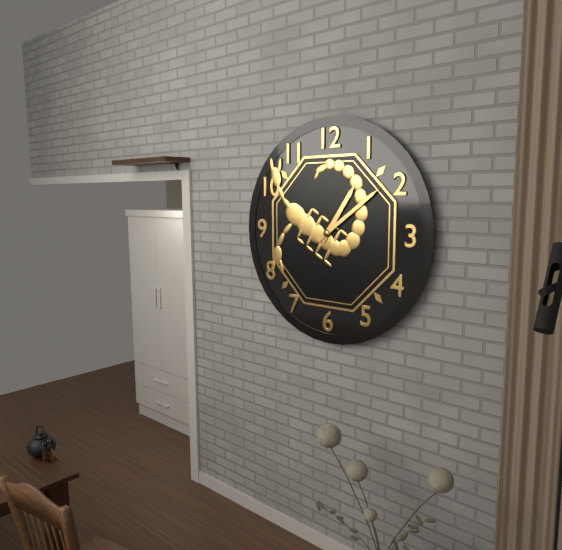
1:09
